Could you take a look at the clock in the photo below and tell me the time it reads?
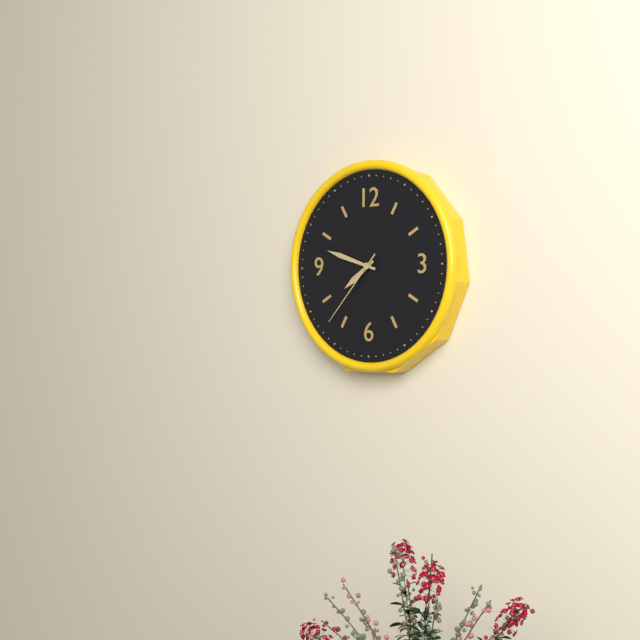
7:48:37
